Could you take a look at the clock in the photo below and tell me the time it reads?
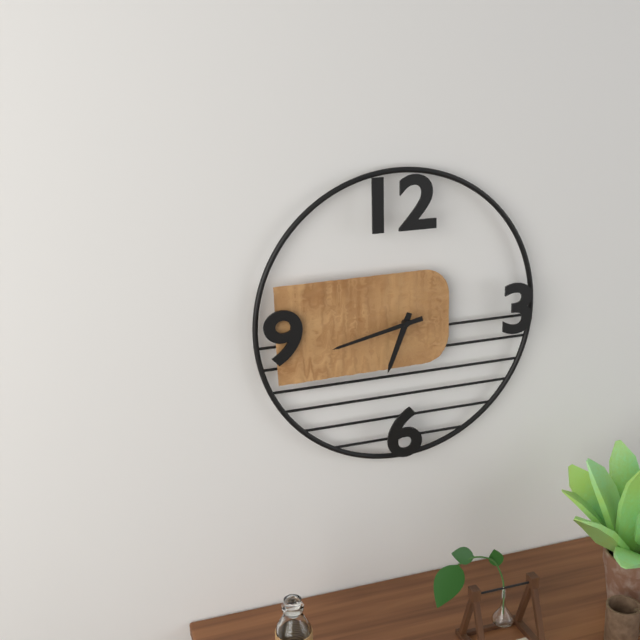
6:43
